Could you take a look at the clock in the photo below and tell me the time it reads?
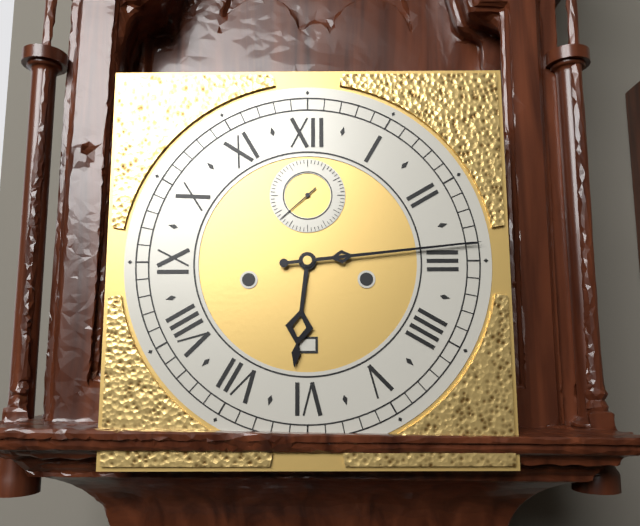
6:14
